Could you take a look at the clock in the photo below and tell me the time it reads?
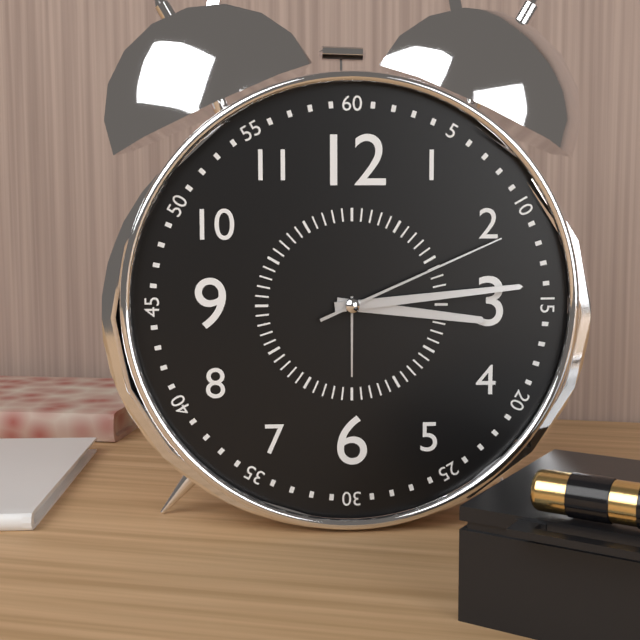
3:14:11
